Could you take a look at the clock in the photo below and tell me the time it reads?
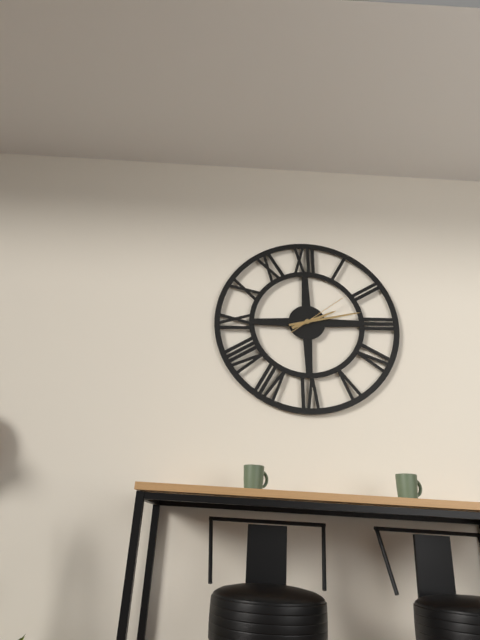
2:13:09
